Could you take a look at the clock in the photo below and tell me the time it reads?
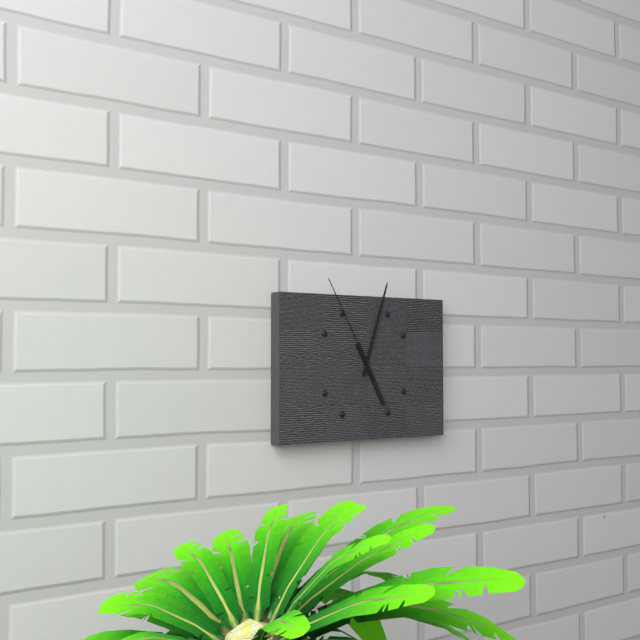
5:03:55
